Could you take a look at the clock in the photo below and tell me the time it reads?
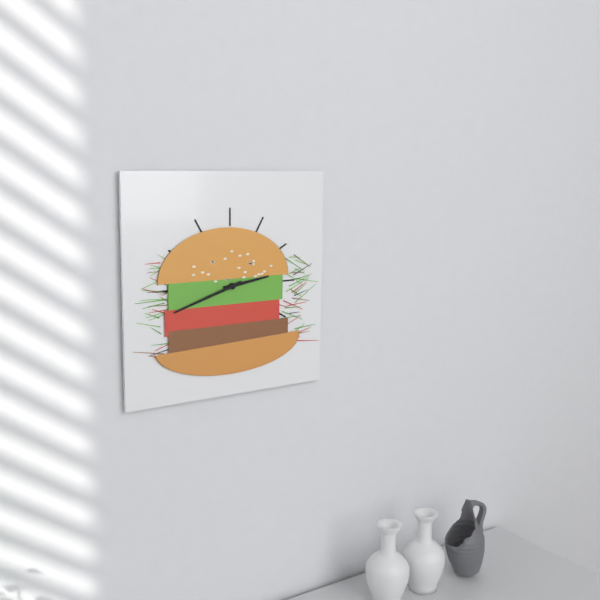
2:42
